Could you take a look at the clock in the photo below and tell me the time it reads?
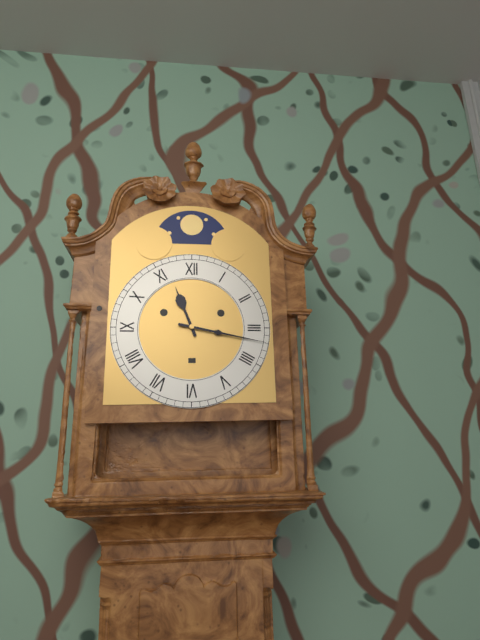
11:17
